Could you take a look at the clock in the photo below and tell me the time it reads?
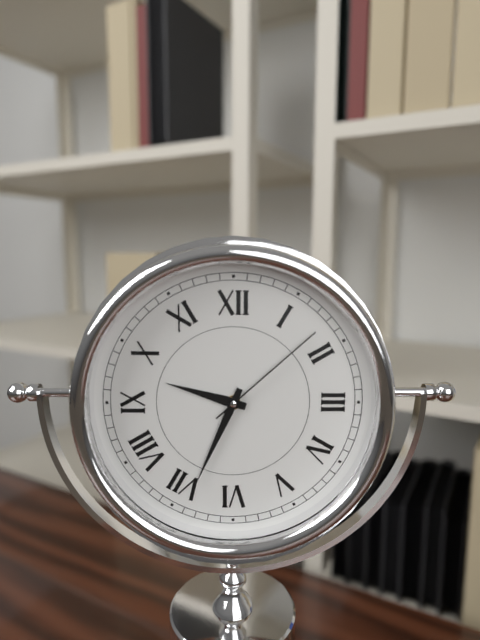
9:34:08
